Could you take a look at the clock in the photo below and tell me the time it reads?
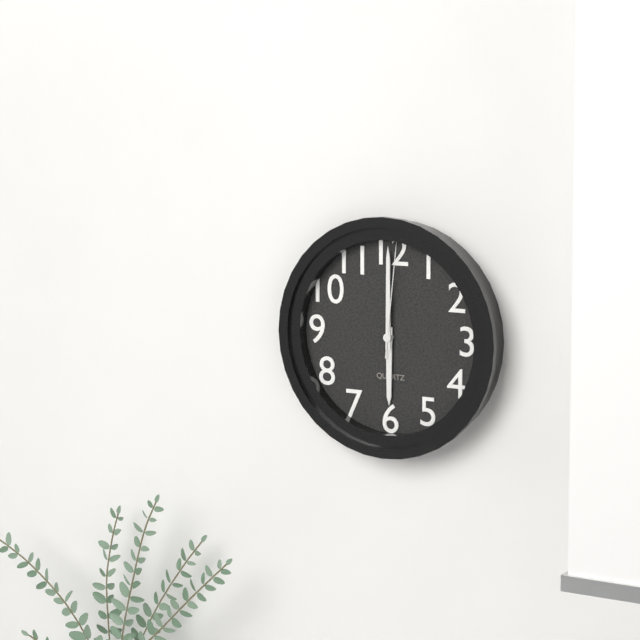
6:00:01
